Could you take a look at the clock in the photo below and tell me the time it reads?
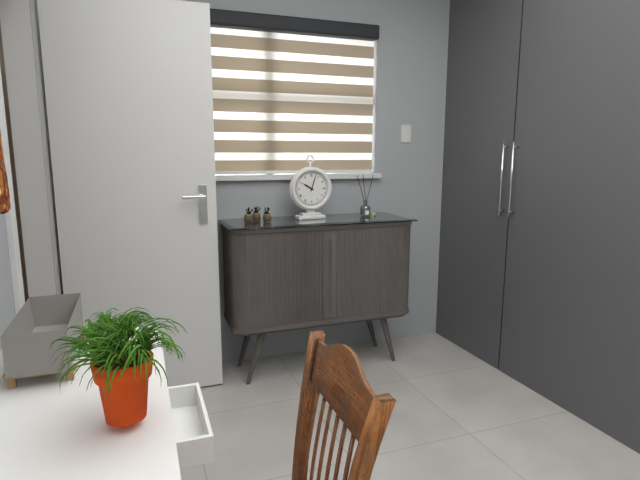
10:03
